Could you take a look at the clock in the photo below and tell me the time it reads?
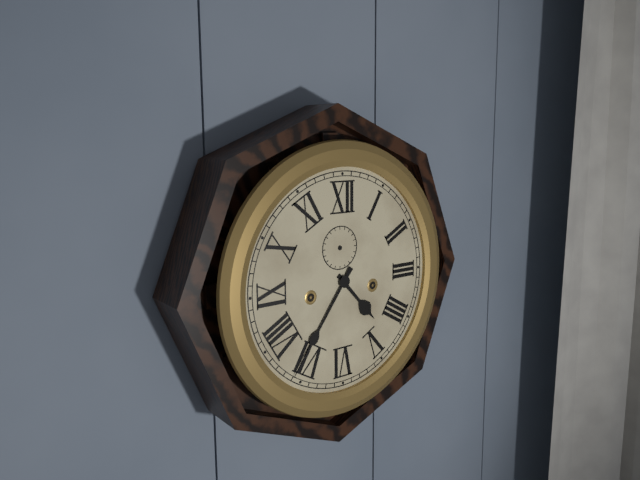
4:36
